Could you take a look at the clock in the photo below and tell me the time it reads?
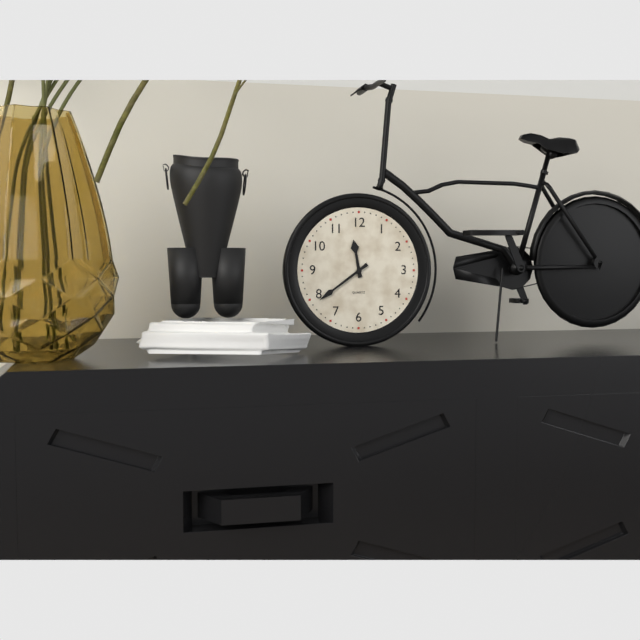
11:39
